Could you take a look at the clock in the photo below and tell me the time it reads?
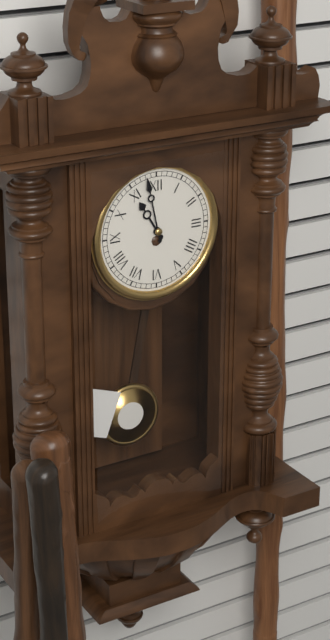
10:58
